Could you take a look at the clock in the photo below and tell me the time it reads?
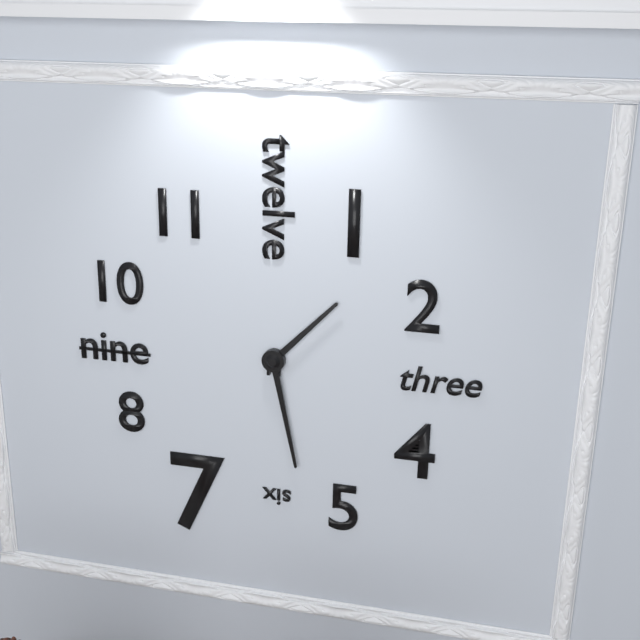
1:28
